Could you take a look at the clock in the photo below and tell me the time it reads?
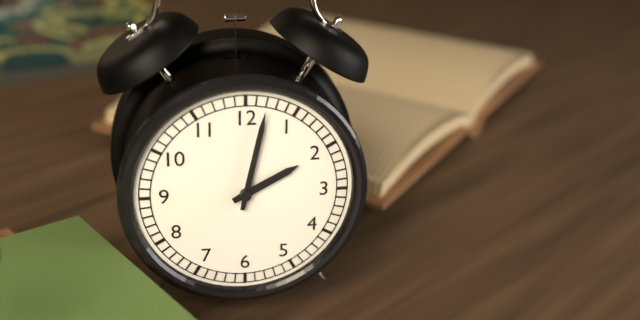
2:02
